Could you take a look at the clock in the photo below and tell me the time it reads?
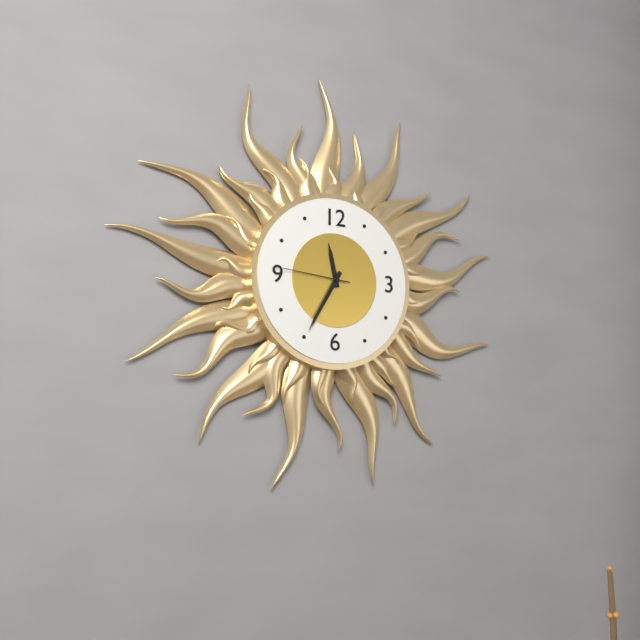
11:35:46
